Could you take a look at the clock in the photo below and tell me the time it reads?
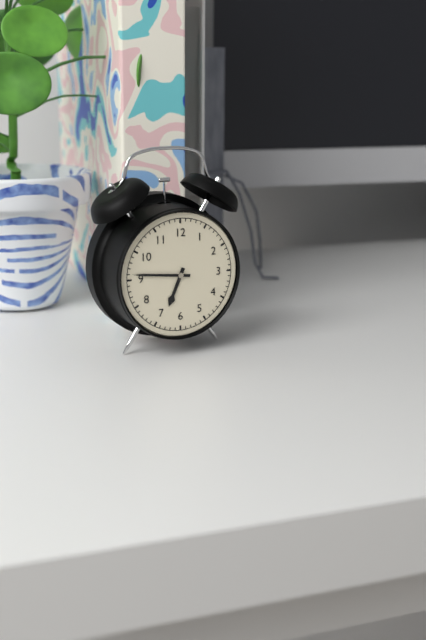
6:46
